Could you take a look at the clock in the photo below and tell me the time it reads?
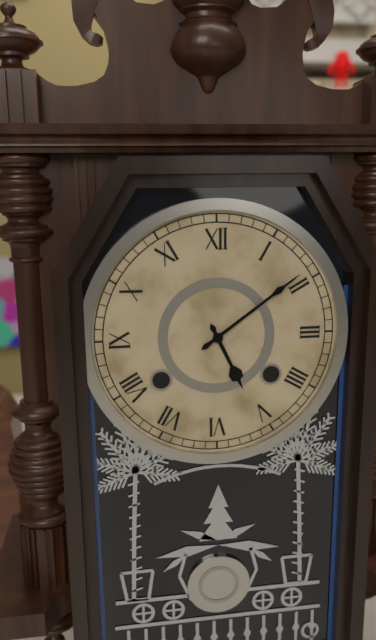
5:09
